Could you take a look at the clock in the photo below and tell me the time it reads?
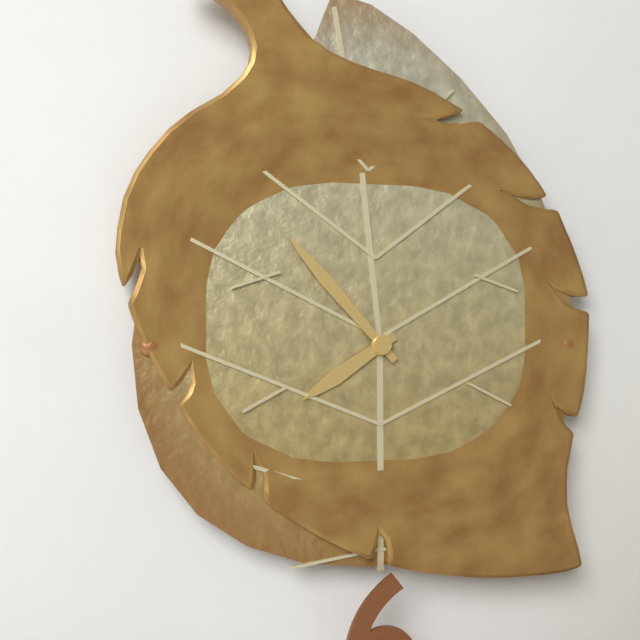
7:53
